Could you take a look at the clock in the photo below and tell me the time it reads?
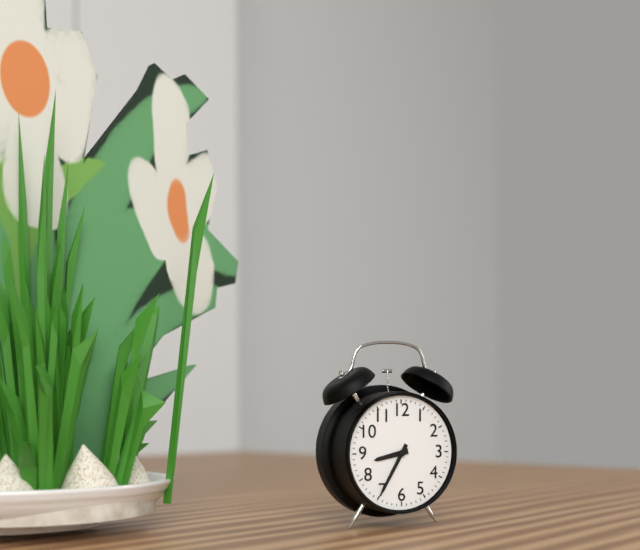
8:35
